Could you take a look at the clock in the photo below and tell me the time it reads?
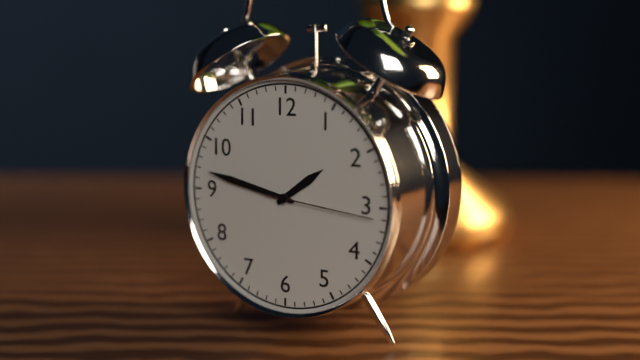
1:47:16
